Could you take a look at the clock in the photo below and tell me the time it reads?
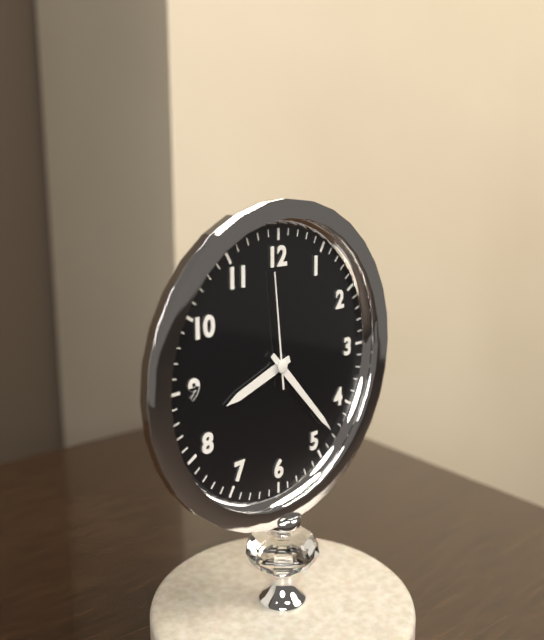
8:23:59
